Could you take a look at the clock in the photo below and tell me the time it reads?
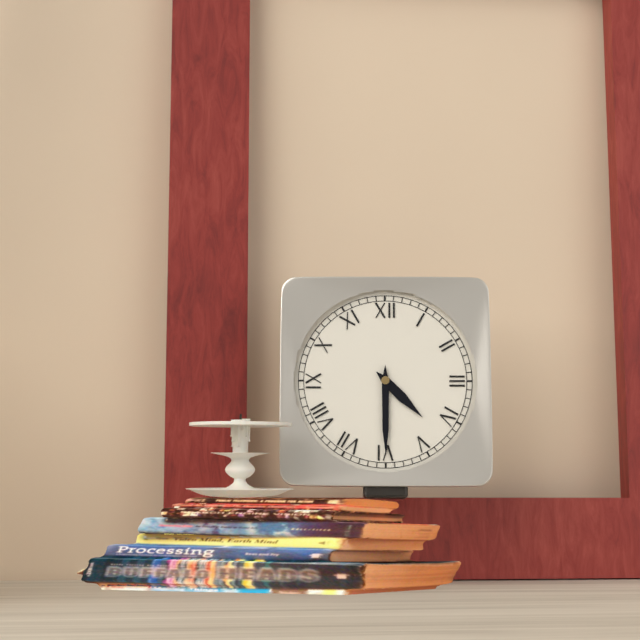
4:30
